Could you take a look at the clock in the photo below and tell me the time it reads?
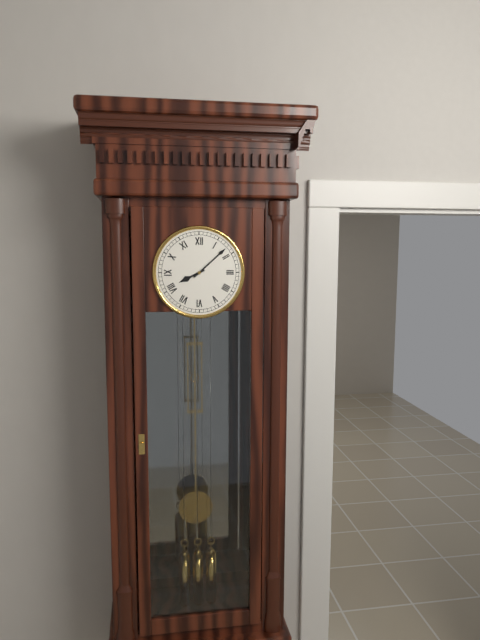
8:08
